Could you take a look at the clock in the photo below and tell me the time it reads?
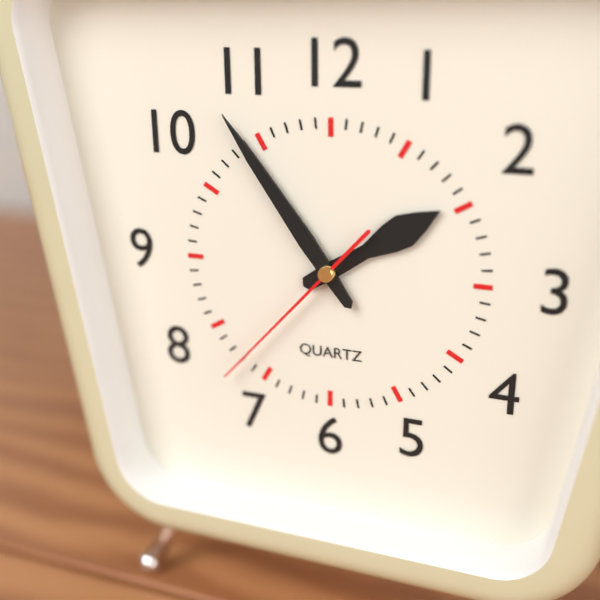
1:54:37
